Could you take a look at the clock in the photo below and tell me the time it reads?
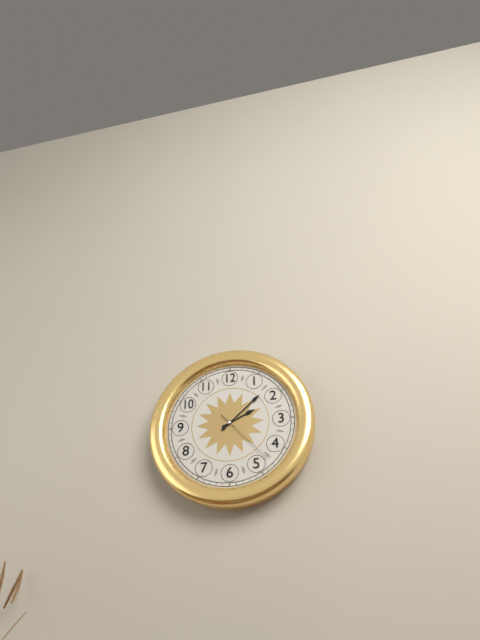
2:08:23
